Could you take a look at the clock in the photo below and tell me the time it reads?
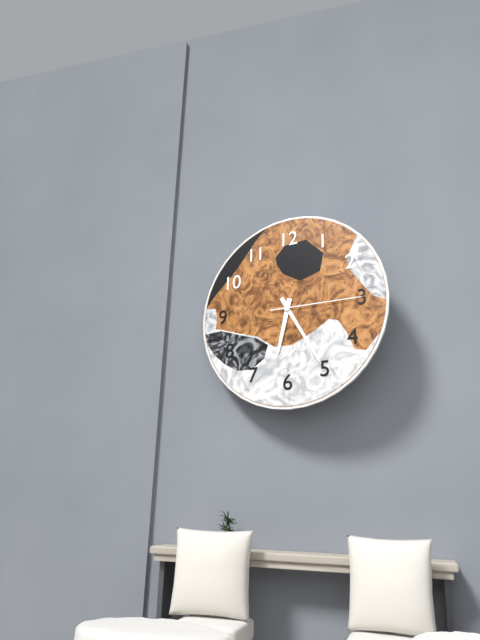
6:25:15
